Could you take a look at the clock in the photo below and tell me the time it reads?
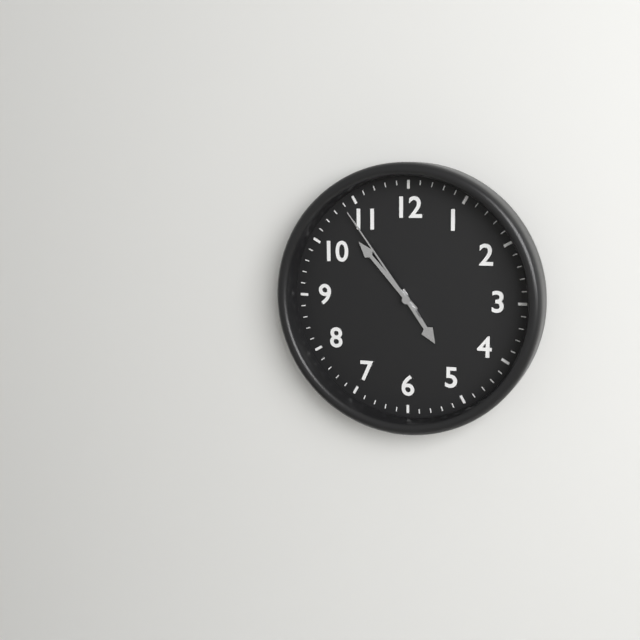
4:53:54
